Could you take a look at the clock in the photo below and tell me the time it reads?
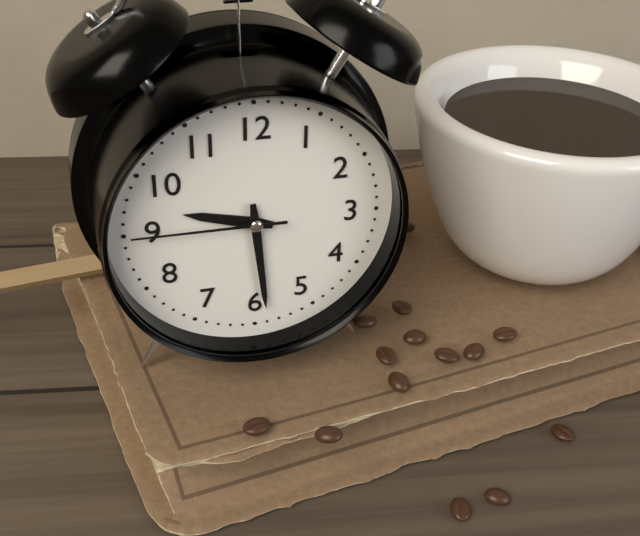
9:29:45
